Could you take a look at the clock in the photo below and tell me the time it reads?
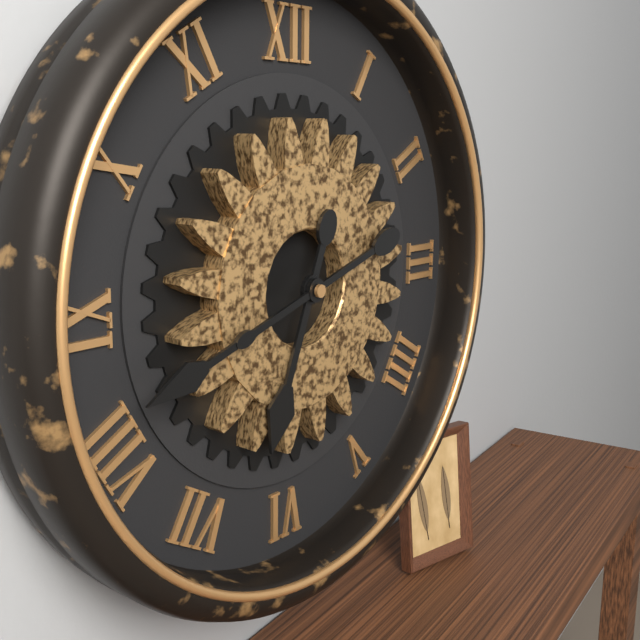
6:42
